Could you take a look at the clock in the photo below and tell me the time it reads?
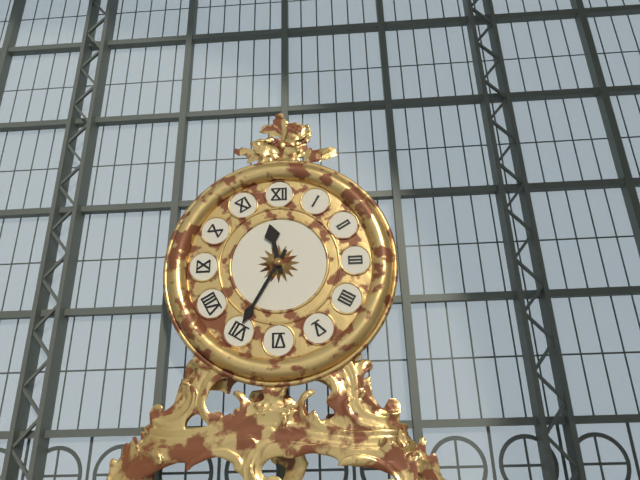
11:35
